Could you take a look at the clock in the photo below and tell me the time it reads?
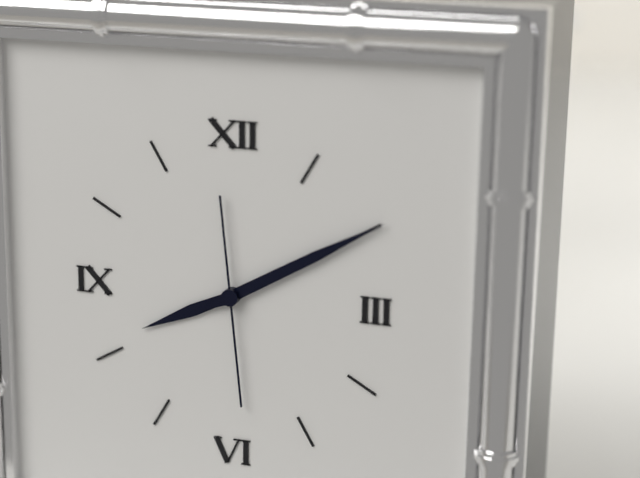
8:10:29
